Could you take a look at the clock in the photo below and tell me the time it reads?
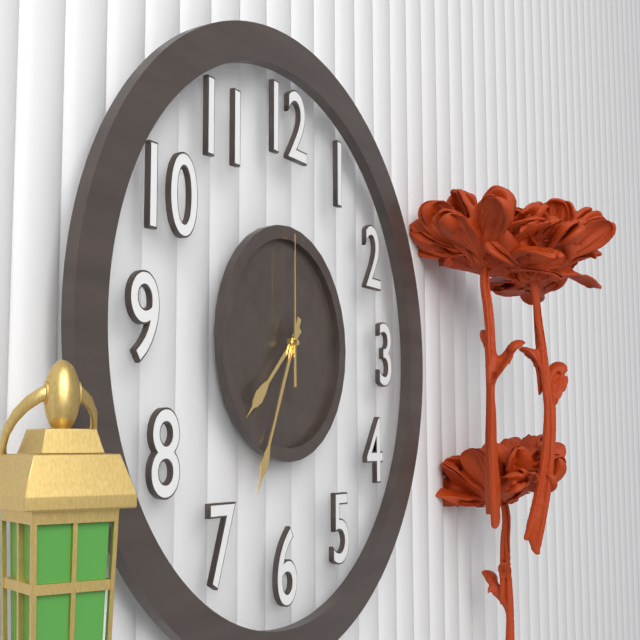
7:34:00
